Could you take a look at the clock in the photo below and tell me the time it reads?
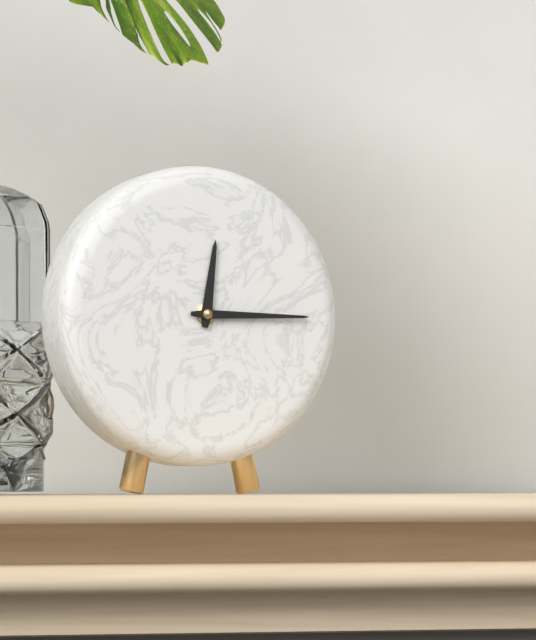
12:15
